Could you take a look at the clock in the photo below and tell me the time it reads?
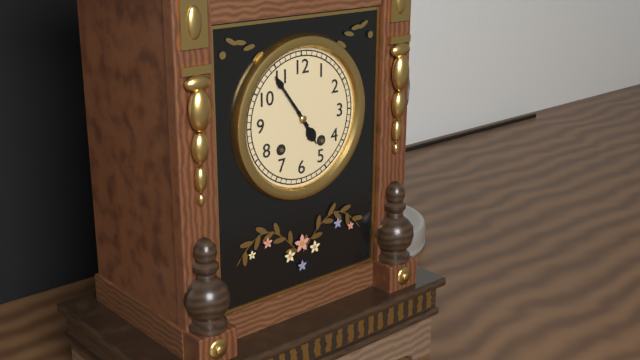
4:54
